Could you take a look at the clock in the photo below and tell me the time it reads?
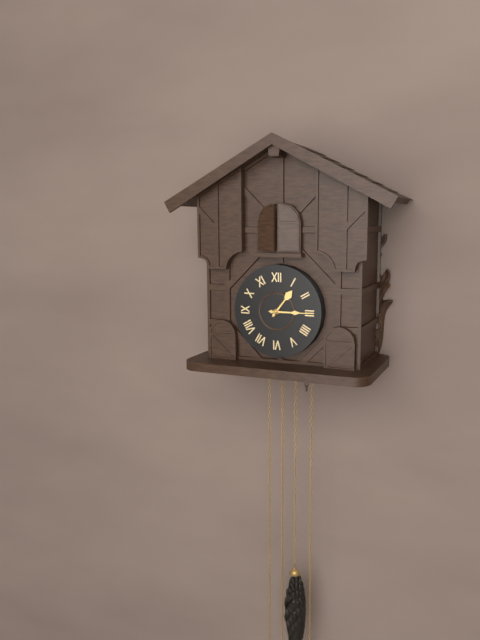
1:15
